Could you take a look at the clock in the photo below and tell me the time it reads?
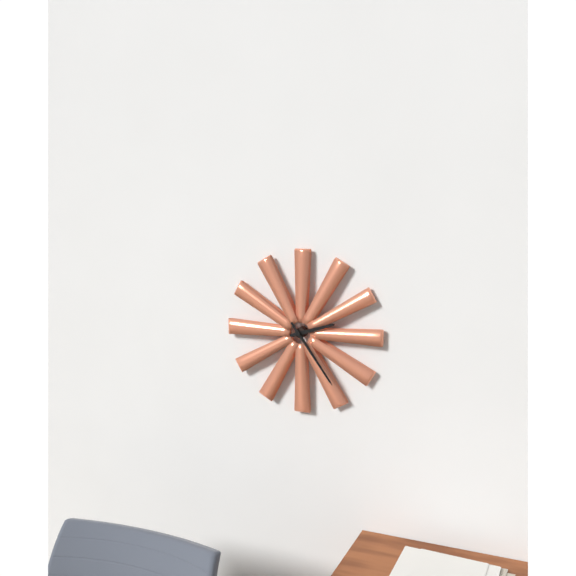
2:24
